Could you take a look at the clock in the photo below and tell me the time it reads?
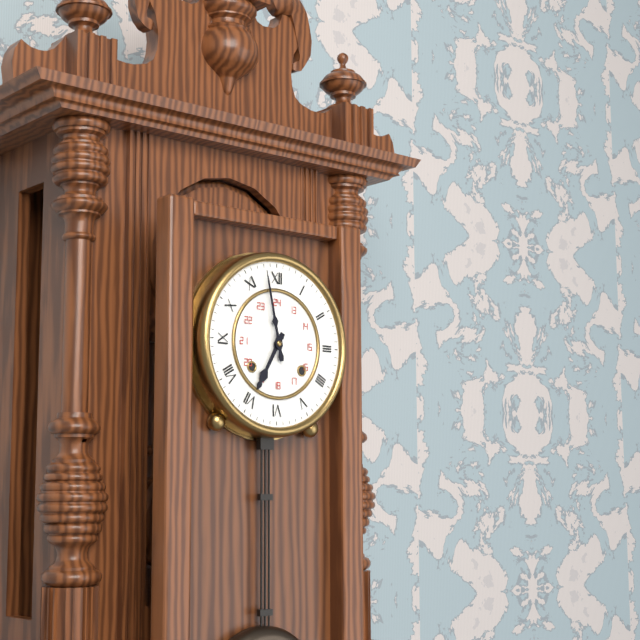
6:58
